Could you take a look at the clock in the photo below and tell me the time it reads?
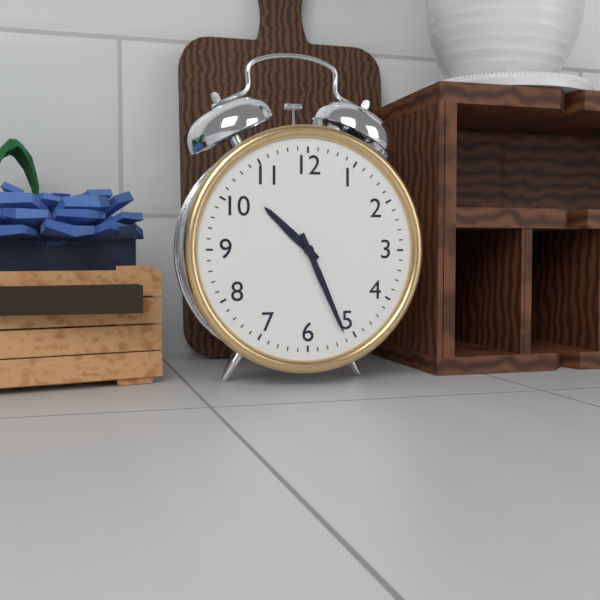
10:26
